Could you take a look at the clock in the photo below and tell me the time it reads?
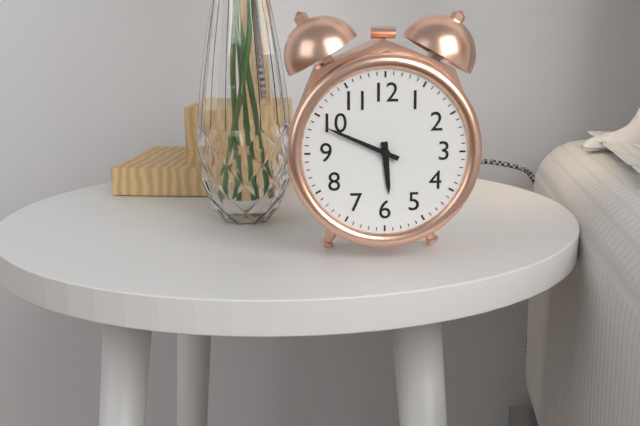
5:49
